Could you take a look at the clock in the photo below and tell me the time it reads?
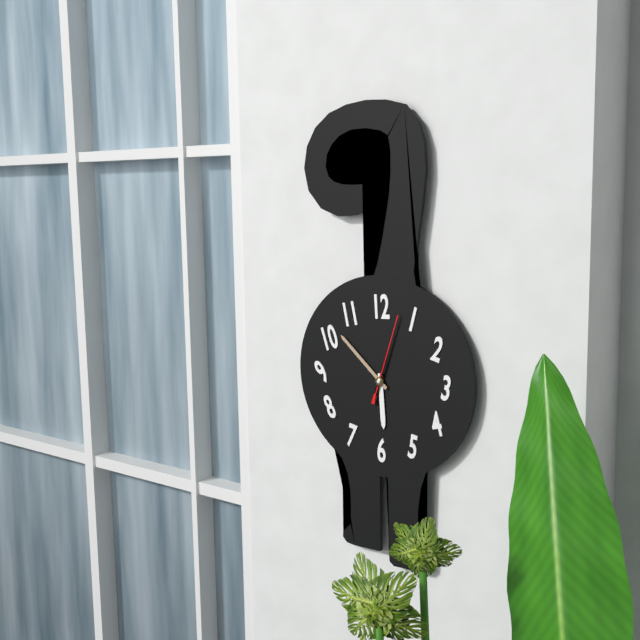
5:52:03
